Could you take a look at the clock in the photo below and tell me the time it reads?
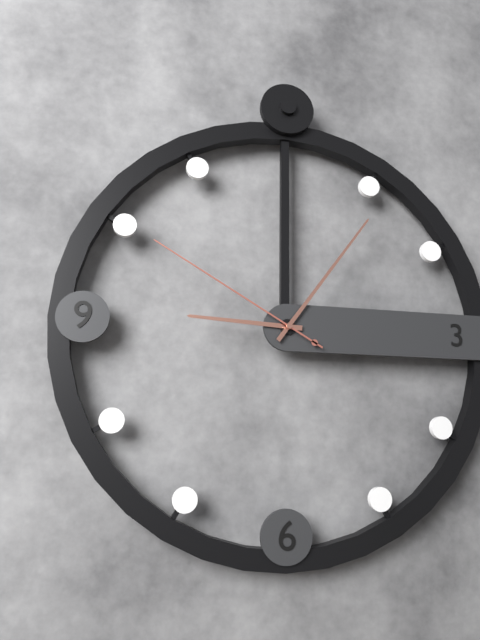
9:06:50
